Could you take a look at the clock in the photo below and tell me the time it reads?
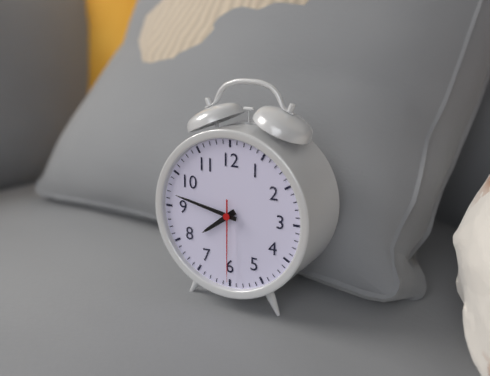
7:47:30
